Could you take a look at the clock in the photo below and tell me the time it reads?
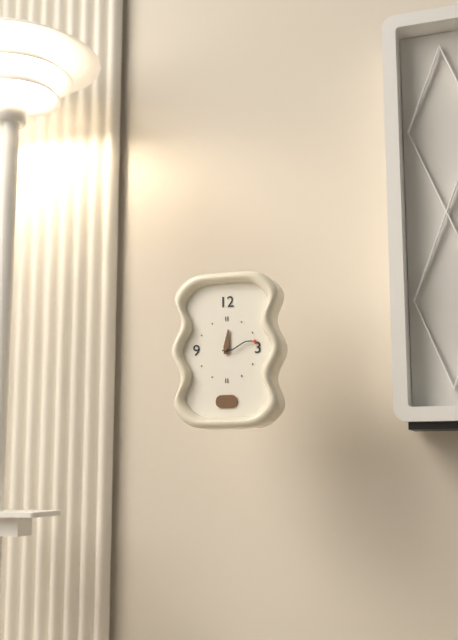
12:13
